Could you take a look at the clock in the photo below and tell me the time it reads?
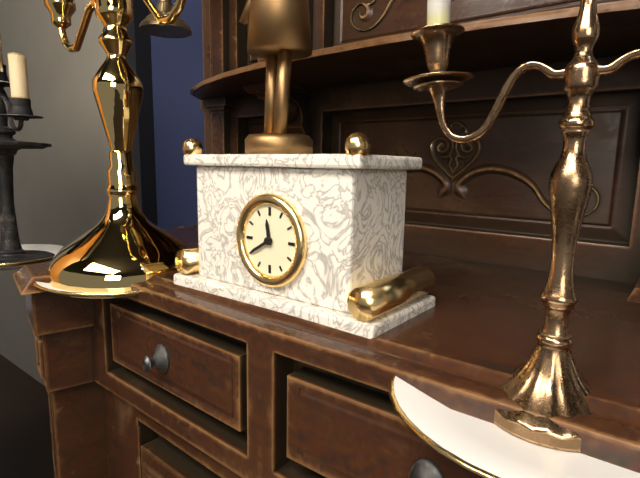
11:40
